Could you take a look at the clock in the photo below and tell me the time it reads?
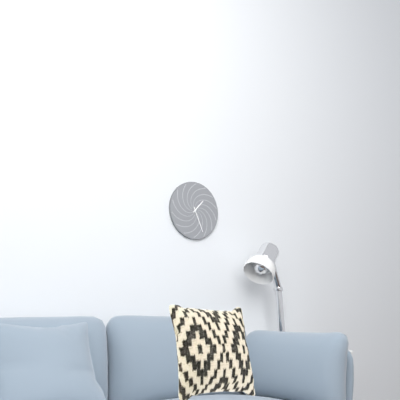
1:26
